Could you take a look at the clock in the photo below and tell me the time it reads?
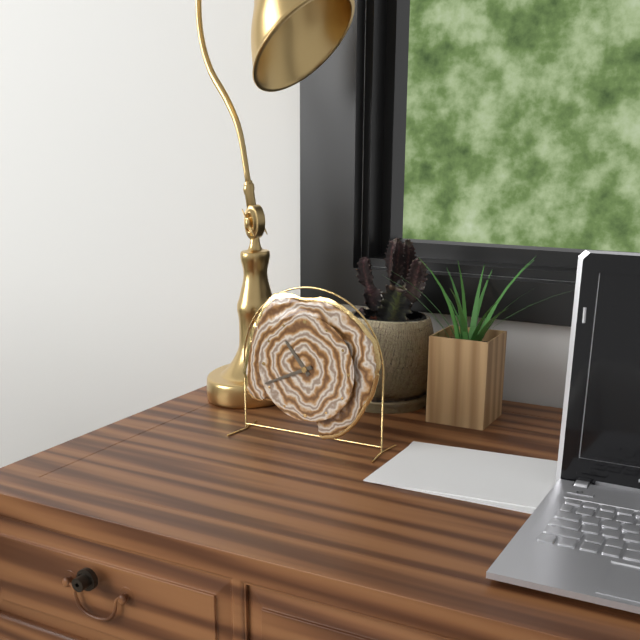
10:41
